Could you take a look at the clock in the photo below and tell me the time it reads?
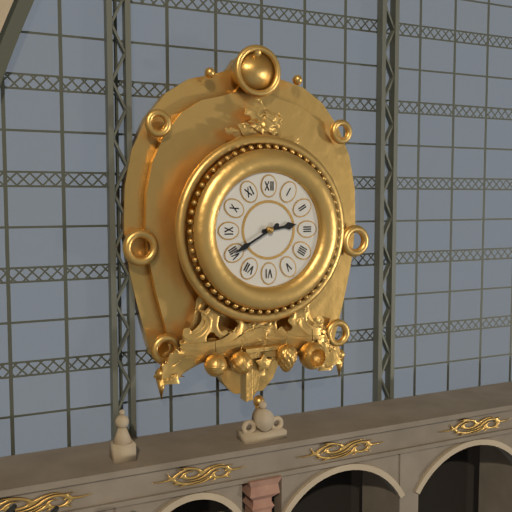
2:40
